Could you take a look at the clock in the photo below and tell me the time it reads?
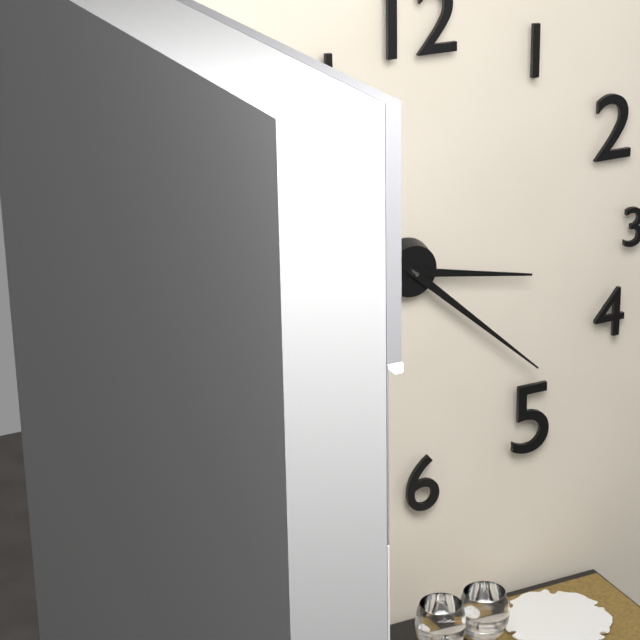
3:22
